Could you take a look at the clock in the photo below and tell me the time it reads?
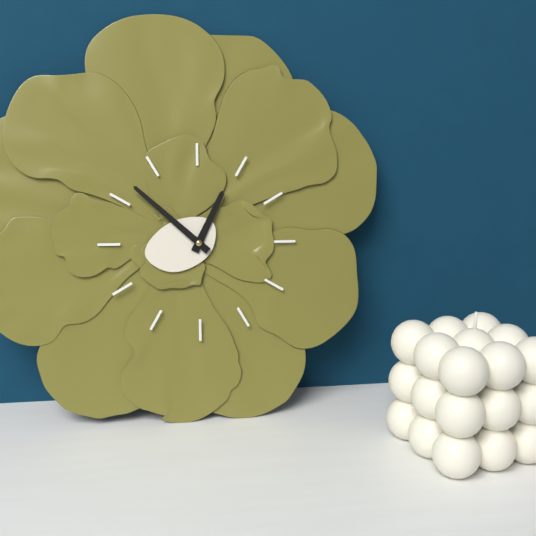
12:52
